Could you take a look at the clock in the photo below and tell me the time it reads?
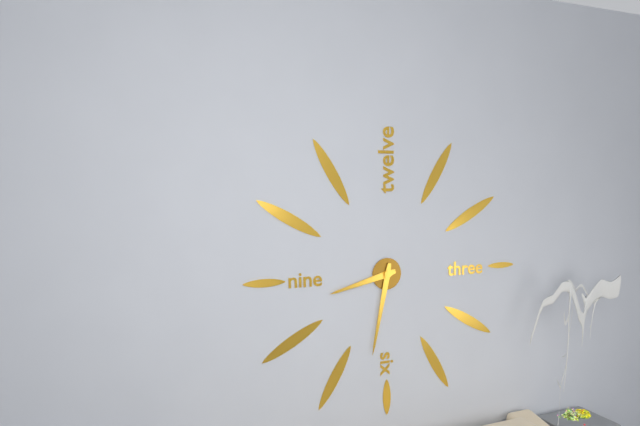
8:32
